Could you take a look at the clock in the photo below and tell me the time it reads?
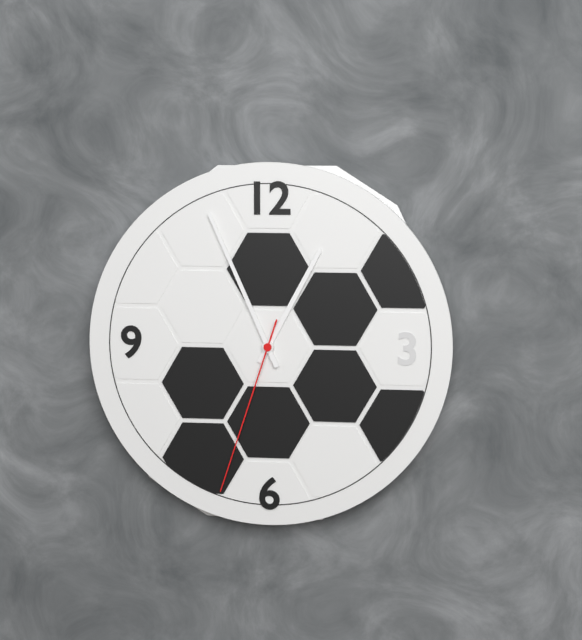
12:56:33
